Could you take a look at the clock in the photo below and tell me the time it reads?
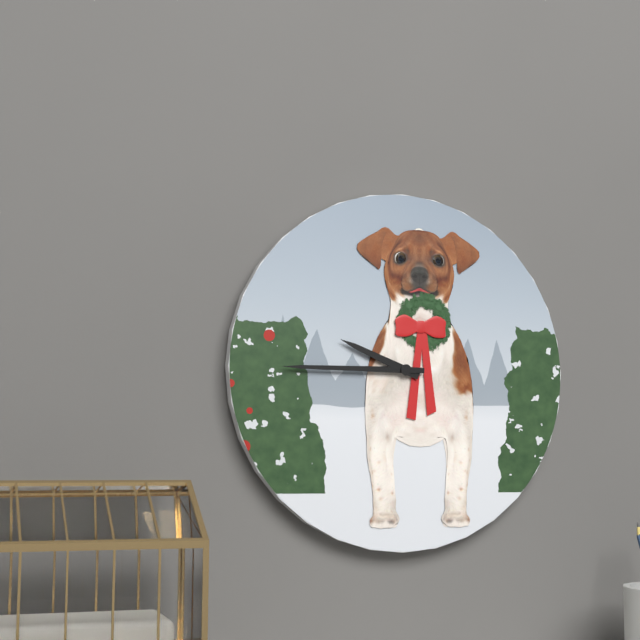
9:45
